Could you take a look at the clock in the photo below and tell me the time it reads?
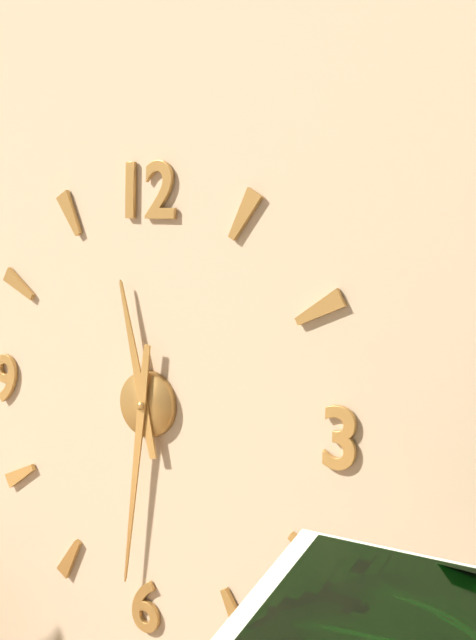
11:31
